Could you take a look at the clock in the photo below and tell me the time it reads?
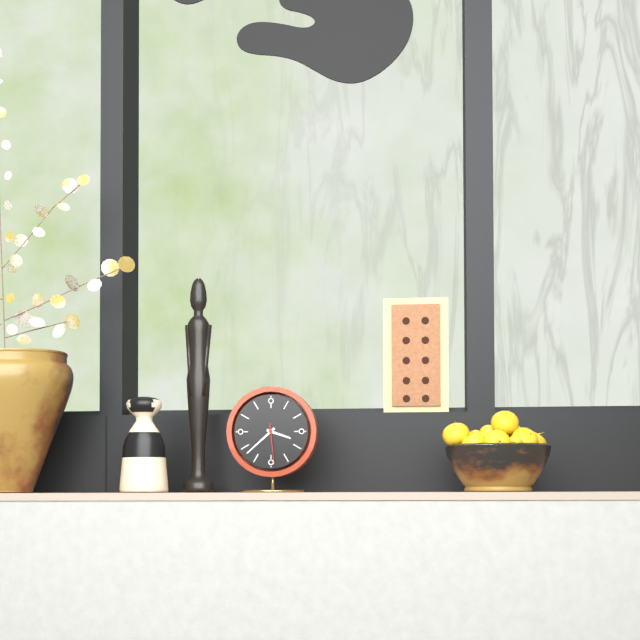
3:38
